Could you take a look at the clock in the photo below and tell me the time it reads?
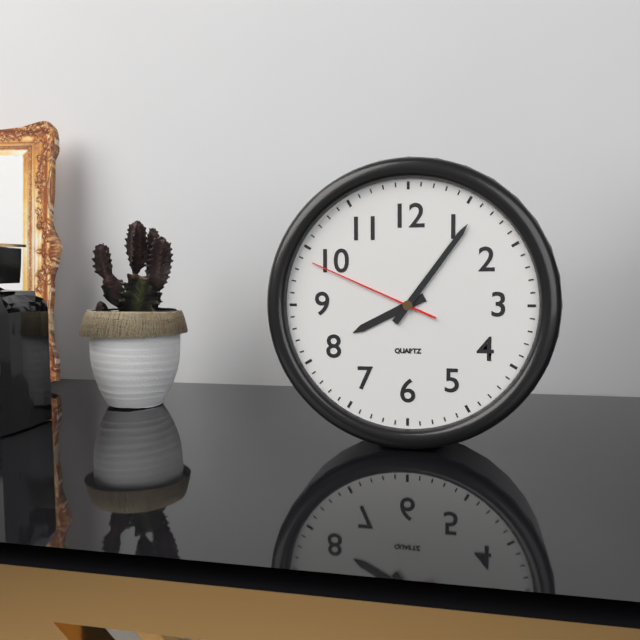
8:06:49
